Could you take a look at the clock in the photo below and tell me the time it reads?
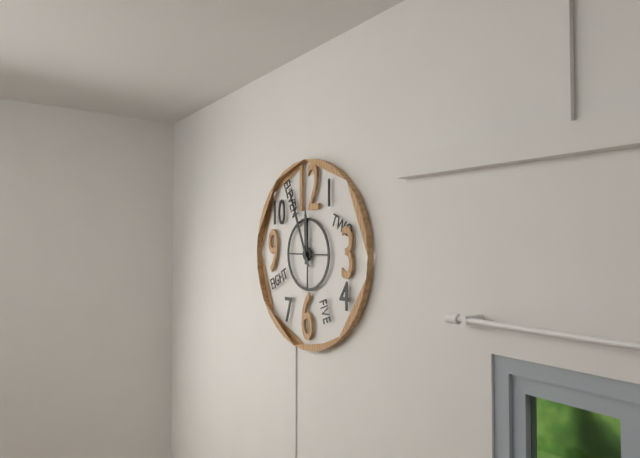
11:56
